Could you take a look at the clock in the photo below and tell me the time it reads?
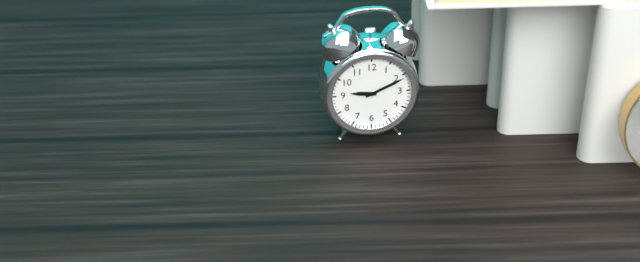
9:11
